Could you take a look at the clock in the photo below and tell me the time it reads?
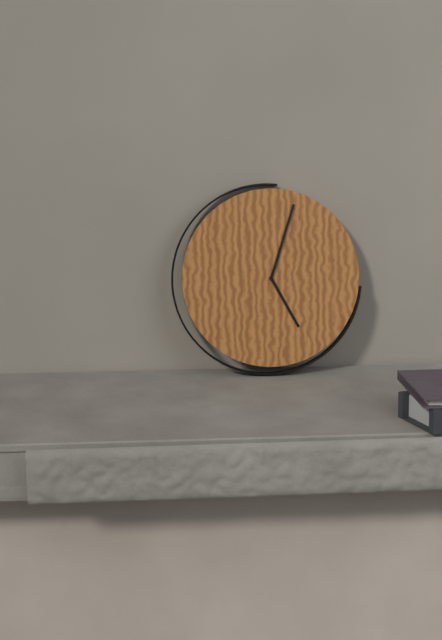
5:03
